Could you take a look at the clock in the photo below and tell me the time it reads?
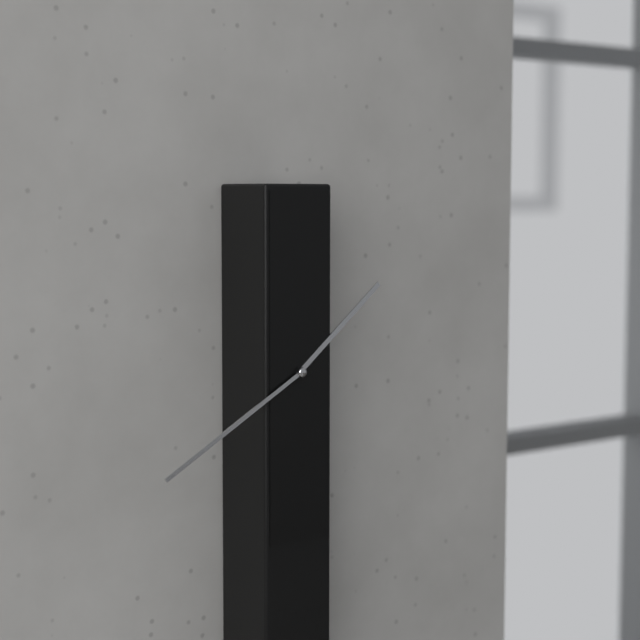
1:40
